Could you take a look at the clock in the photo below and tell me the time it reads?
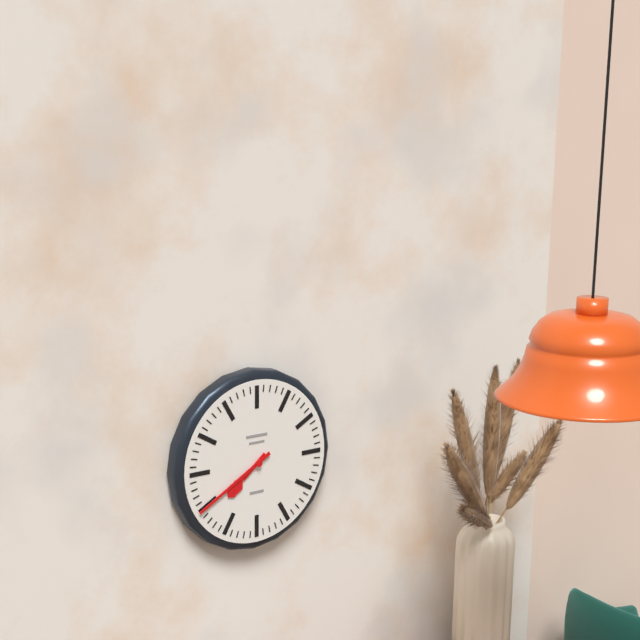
7:40
